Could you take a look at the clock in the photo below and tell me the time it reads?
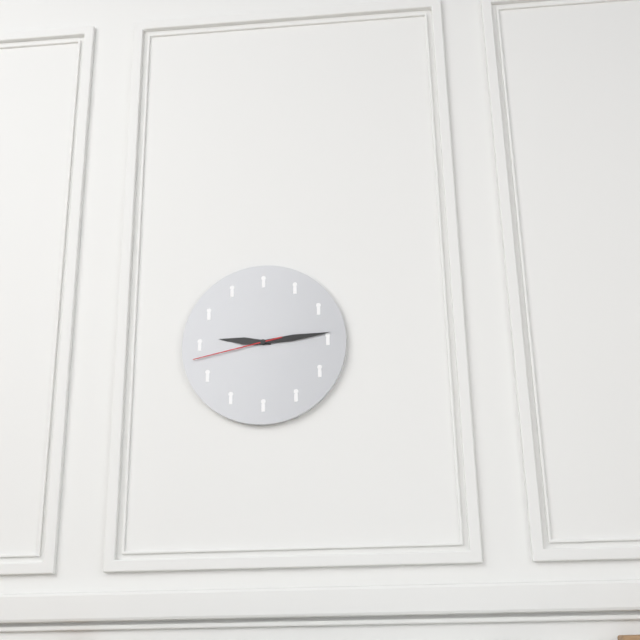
9:14:43
